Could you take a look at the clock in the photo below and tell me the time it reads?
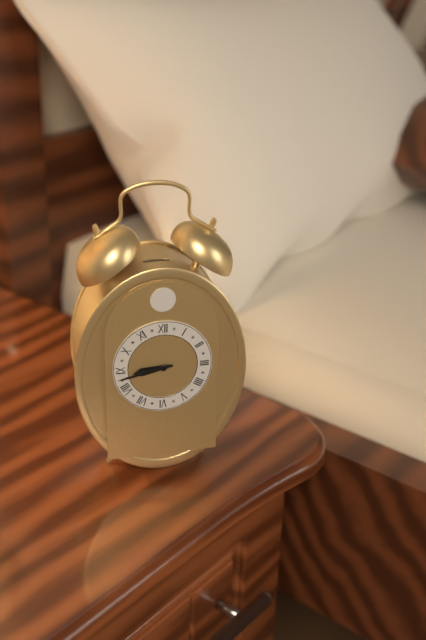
8:43
